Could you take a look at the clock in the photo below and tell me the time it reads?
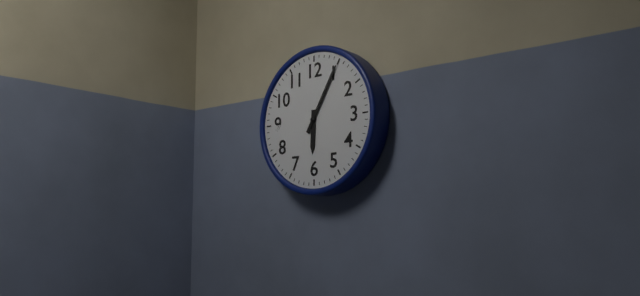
6:05
